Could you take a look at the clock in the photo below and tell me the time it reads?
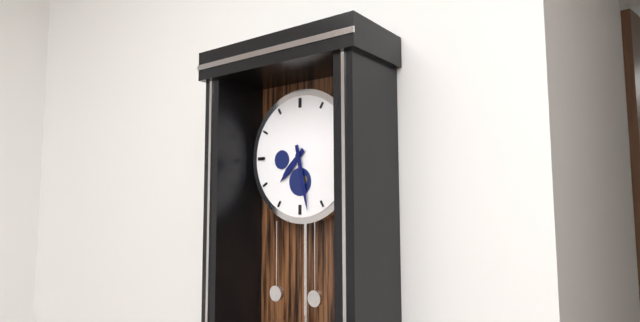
7:28
